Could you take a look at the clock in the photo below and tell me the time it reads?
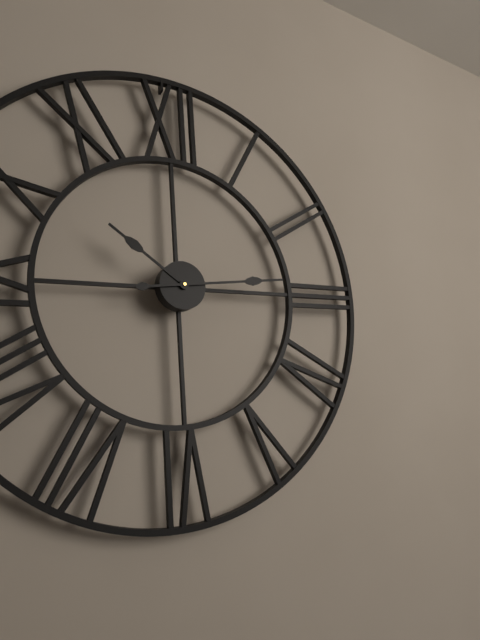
10:14
